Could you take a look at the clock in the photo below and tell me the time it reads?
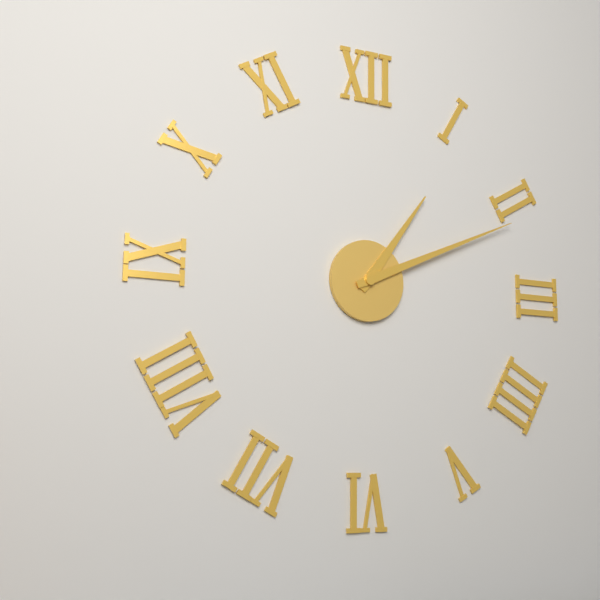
1:11
